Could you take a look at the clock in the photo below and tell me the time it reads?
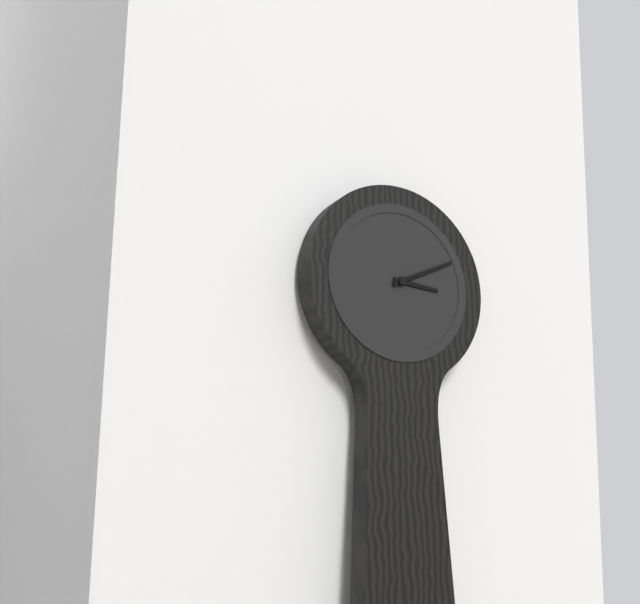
3:11
